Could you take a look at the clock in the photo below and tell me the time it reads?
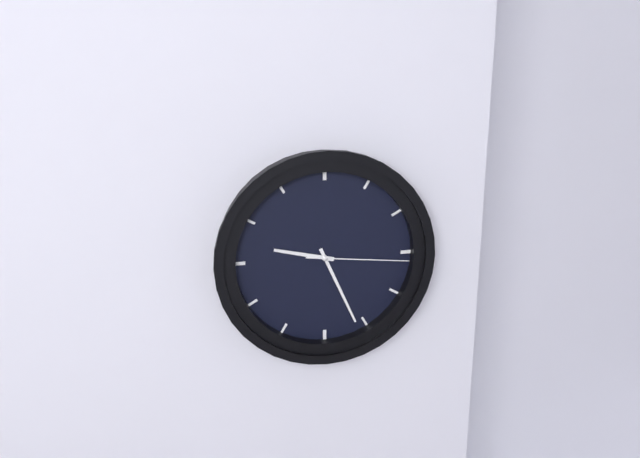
9:26:16
